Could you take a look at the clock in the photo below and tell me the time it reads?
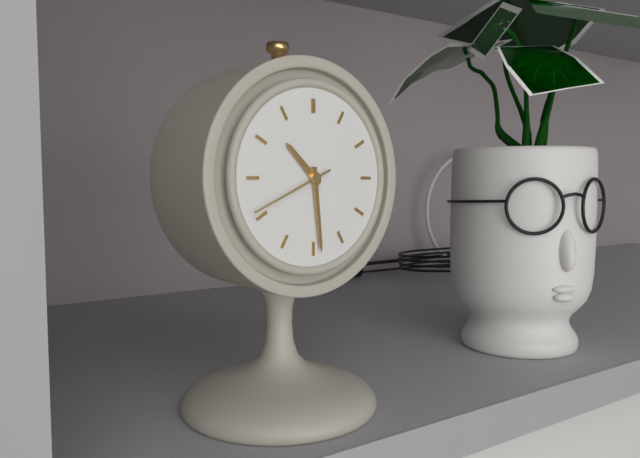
10:29:41
